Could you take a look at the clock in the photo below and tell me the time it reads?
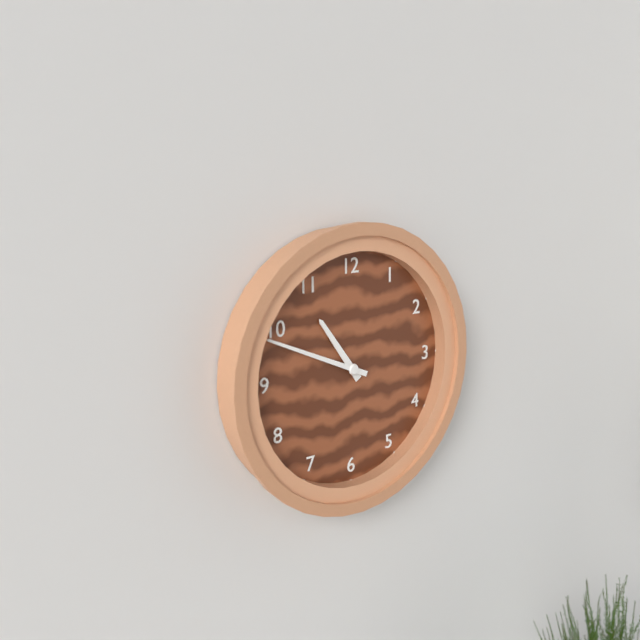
10:49
